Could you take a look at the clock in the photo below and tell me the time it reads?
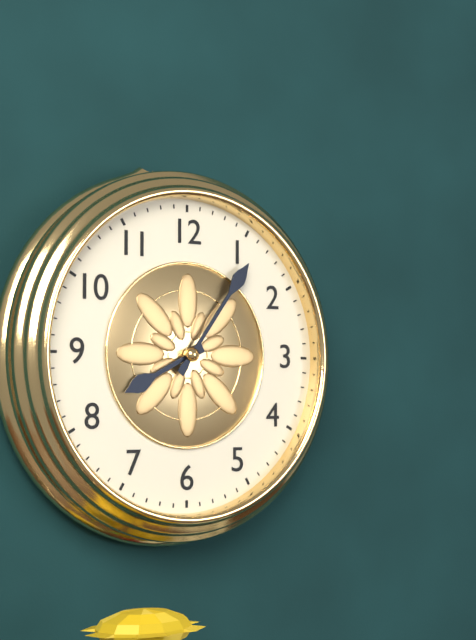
8:06
